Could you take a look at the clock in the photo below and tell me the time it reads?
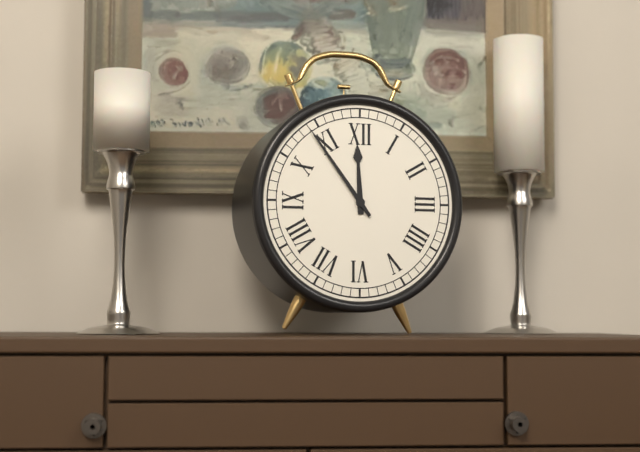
11:54
